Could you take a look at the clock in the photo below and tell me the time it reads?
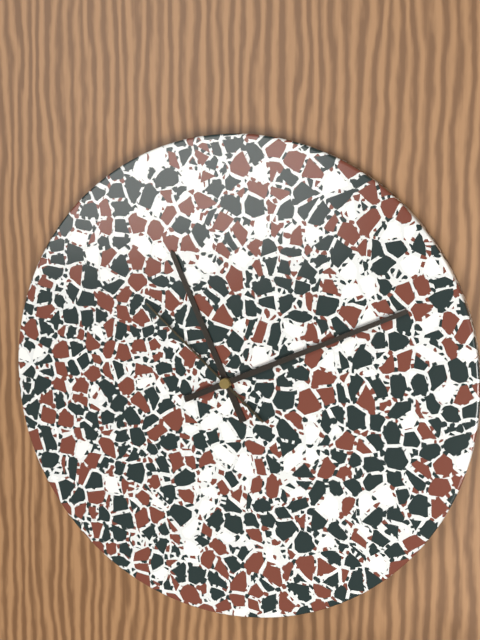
11:11:52
